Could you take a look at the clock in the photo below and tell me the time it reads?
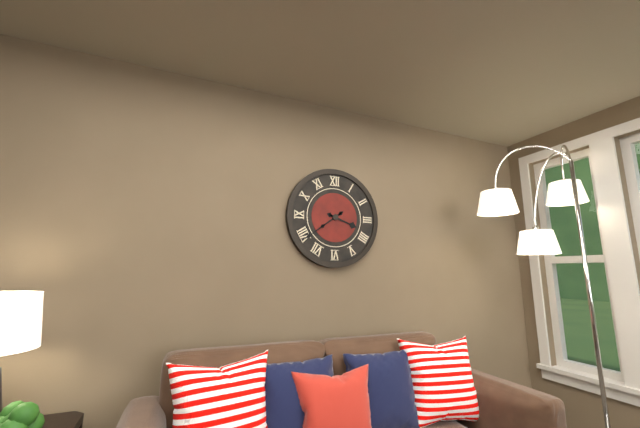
3:39
